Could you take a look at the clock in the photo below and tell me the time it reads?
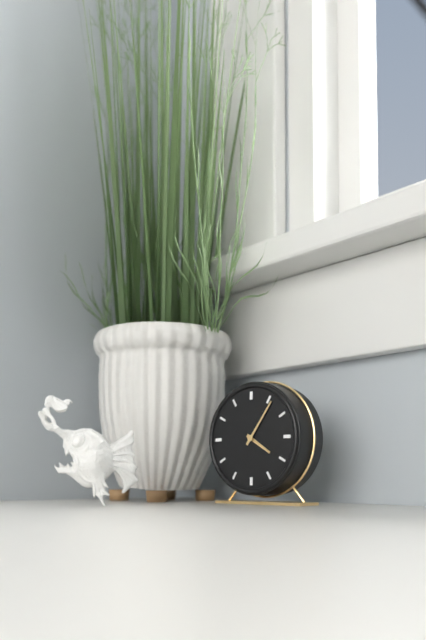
4:06
